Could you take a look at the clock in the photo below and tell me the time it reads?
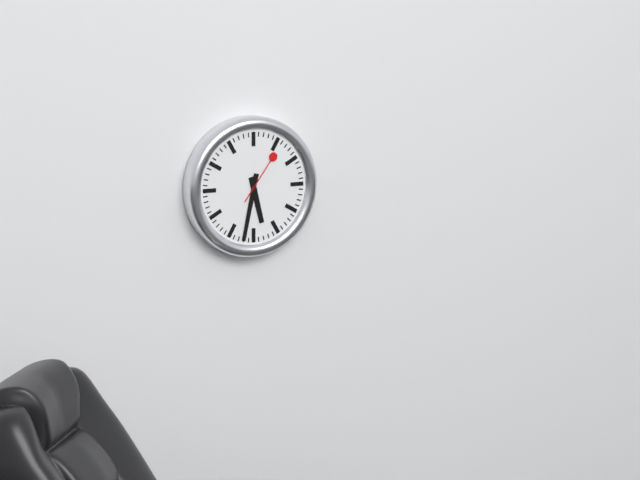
5:32:06
